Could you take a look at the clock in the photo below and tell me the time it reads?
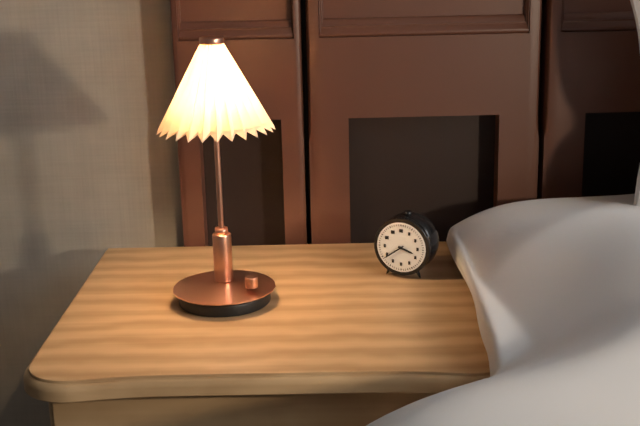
3:39
